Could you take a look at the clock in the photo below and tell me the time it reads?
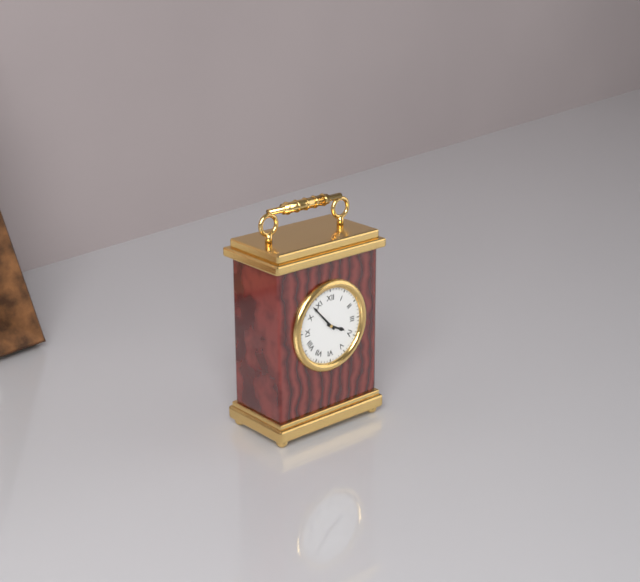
3:53
